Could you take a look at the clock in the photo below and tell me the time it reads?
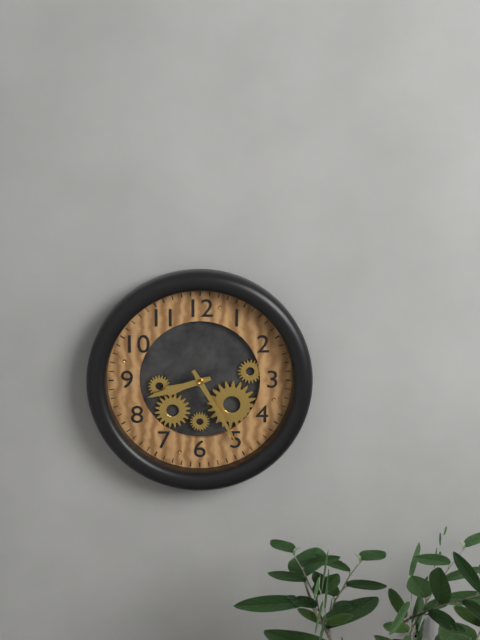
8:25
